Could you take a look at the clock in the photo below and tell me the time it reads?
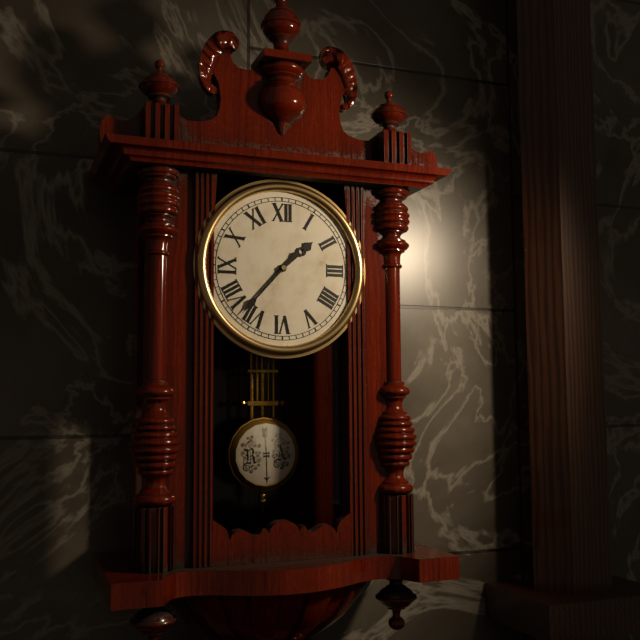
1:37
